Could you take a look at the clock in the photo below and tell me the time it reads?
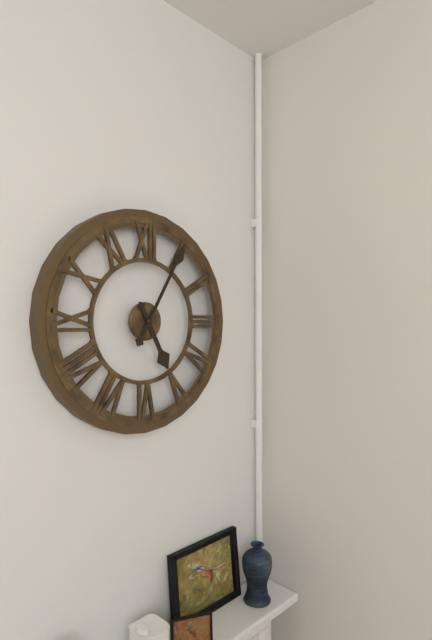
5:05
